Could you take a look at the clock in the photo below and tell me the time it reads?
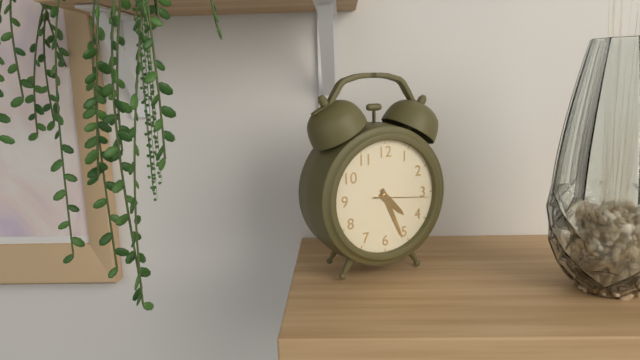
4:26:16
